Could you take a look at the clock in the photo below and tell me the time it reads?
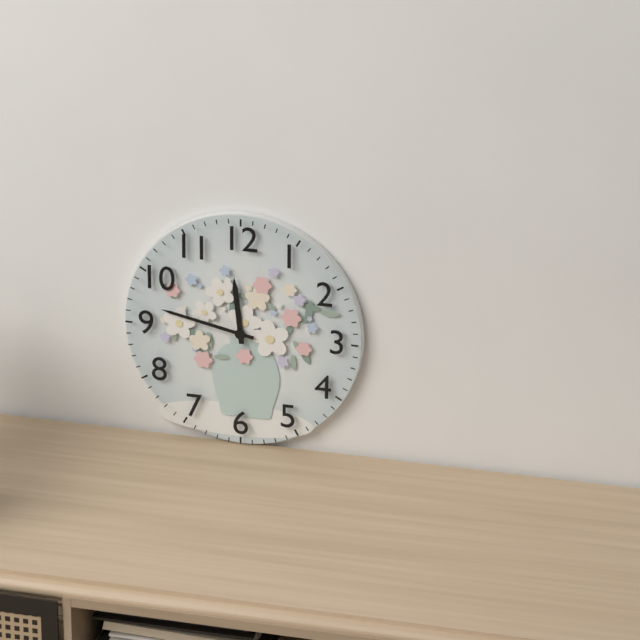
11:47
